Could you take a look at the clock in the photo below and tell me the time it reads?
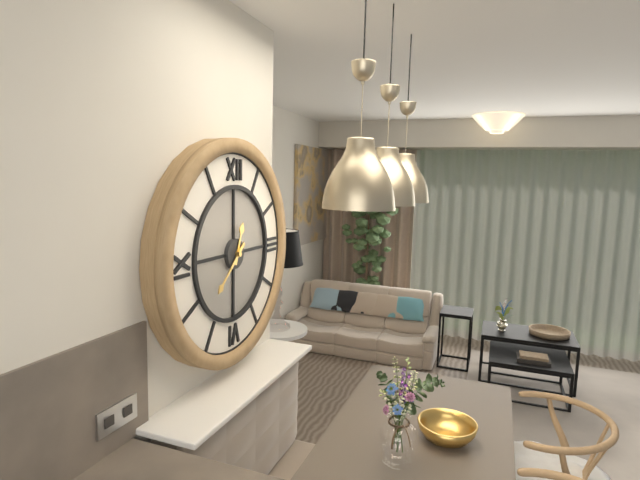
12:38
